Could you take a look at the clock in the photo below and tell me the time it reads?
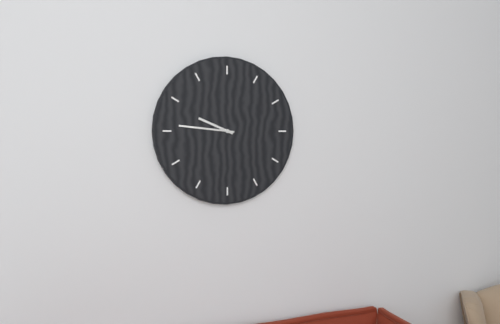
9:46
